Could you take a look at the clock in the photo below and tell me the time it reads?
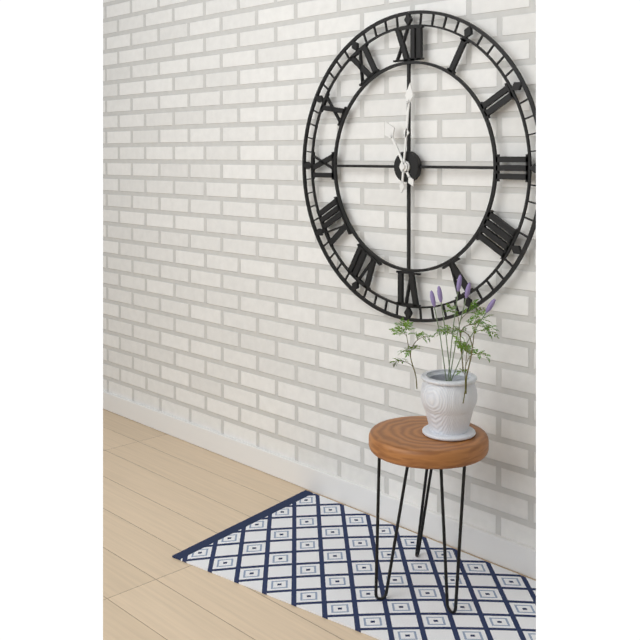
11:01
